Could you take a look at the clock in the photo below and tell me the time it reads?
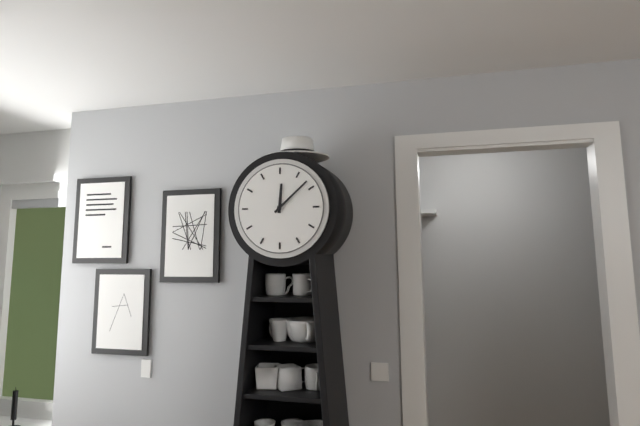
12:08
